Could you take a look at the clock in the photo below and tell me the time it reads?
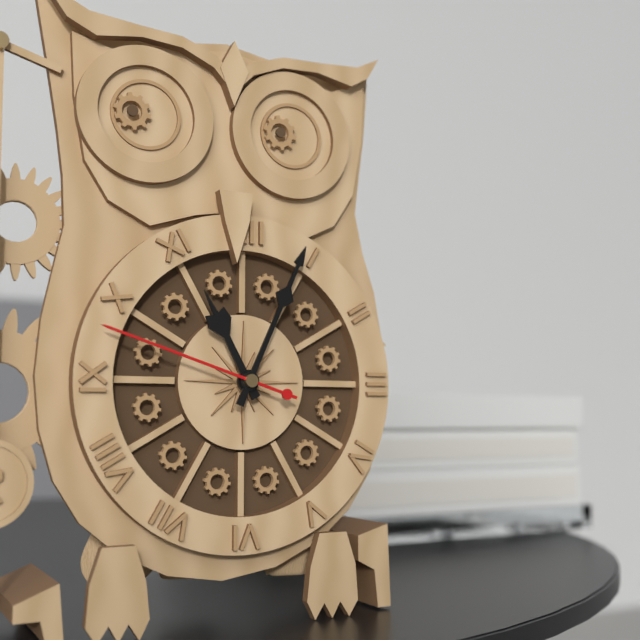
11:04:48
